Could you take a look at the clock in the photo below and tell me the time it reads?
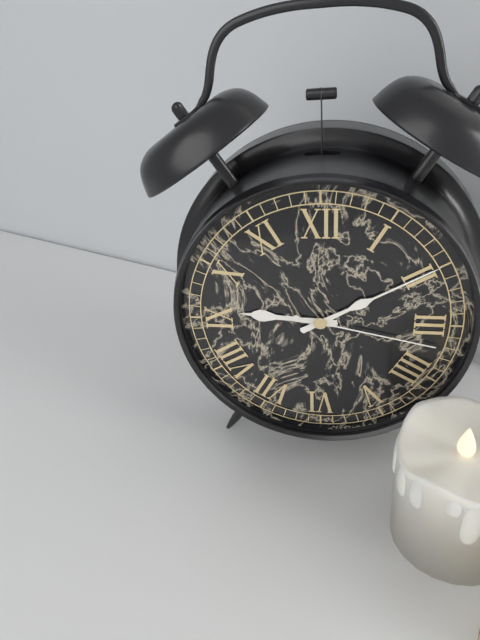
9:10:17
